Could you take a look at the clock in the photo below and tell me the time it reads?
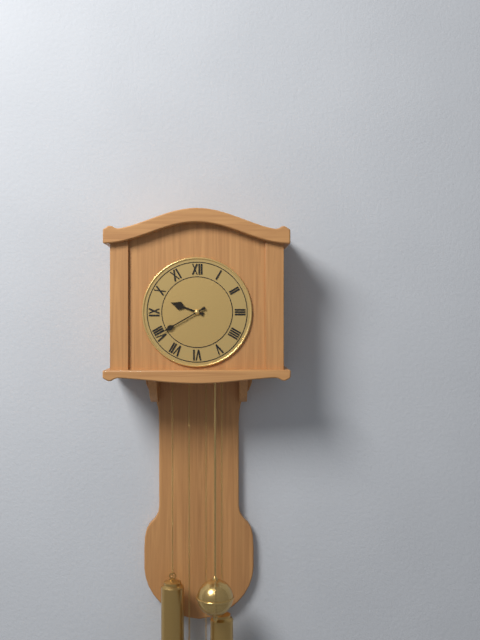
9:40
